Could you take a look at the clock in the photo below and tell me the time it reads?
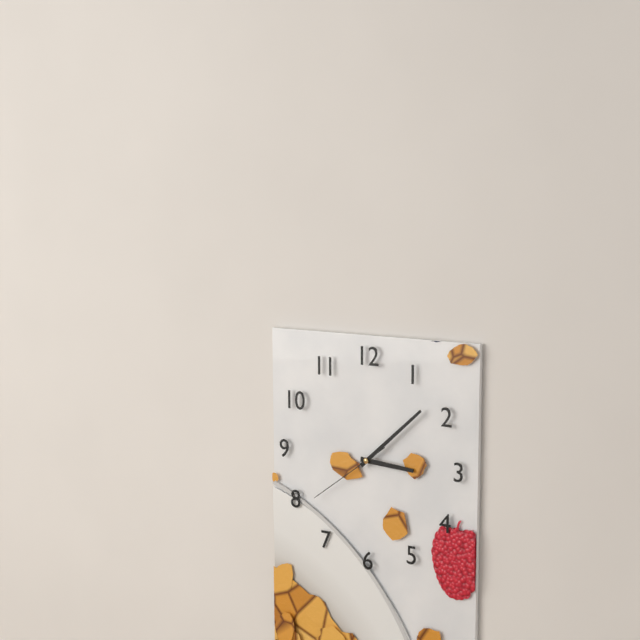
3:08:39
